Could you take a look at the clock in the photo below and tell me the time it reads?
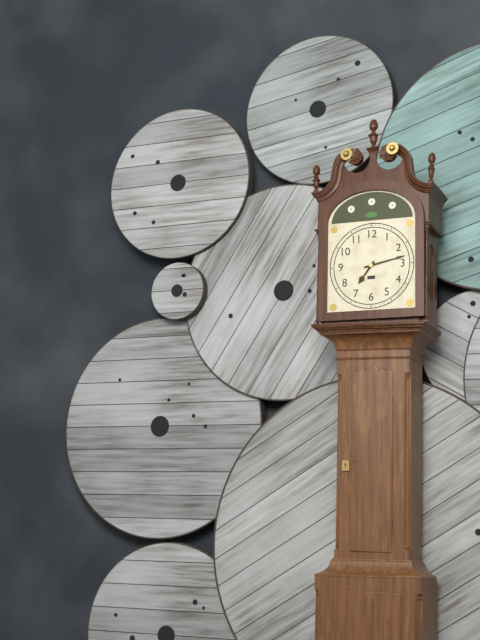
7:13
